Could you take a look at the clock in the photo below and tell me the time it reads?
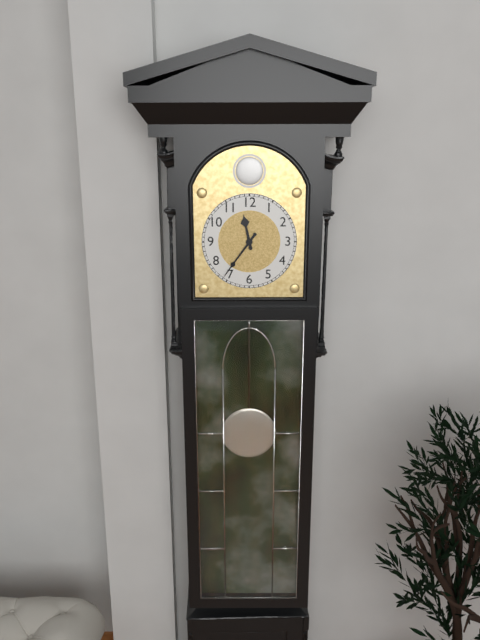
11:36
